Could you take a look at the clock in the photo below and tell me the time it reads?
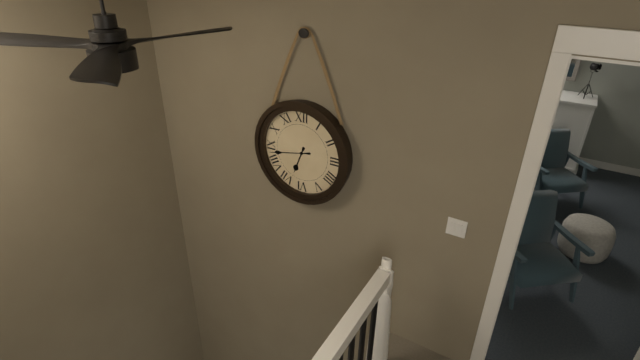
6:43
